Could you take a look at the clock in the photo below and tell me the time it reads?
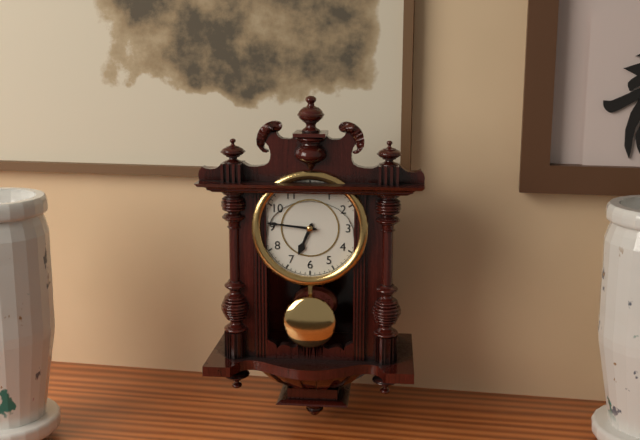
6:46
